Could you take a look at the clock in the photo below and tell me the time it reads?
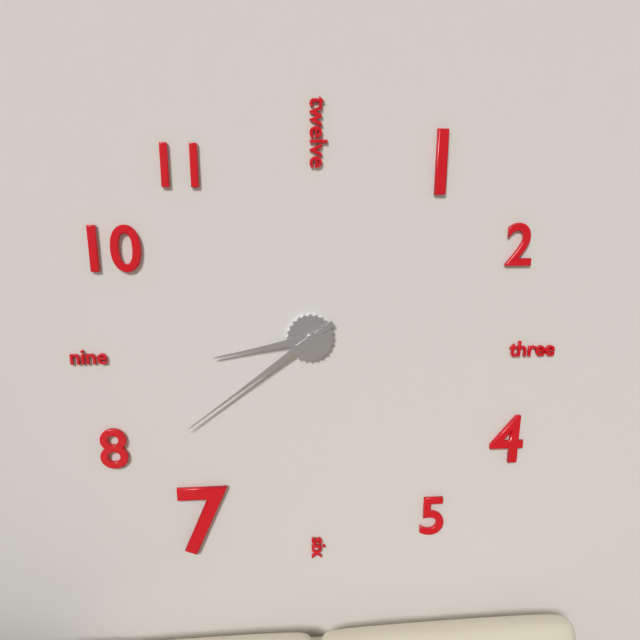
8:39
